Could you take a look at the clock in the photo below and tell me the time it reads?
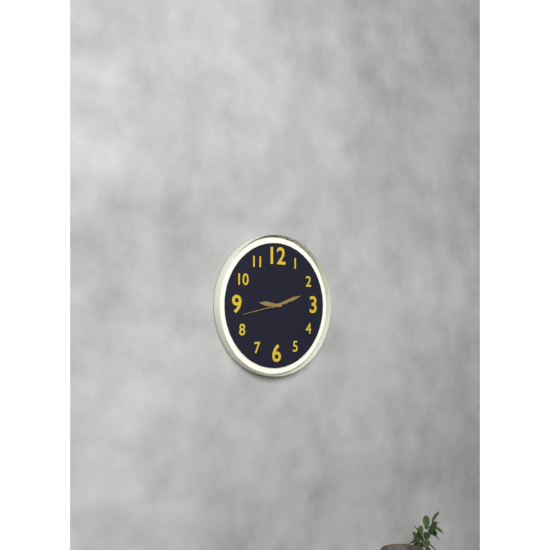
9:12
